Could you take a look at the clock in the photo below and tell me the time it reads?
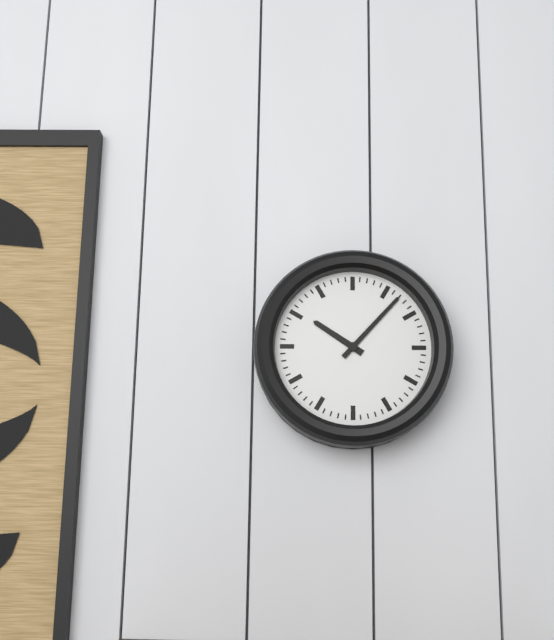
10:07
